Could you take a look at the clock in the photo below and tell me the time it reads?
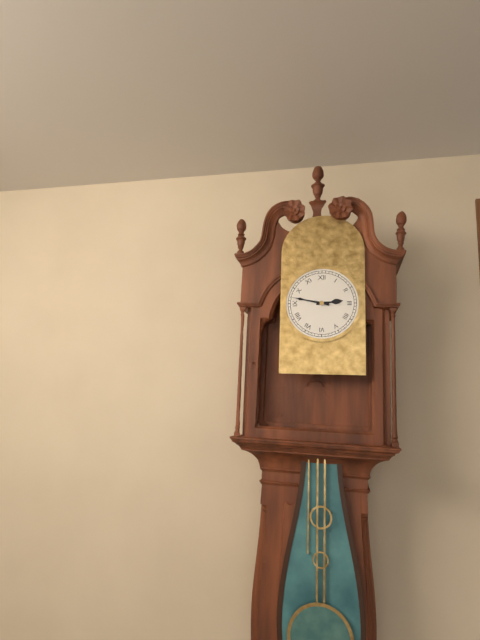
2:47
